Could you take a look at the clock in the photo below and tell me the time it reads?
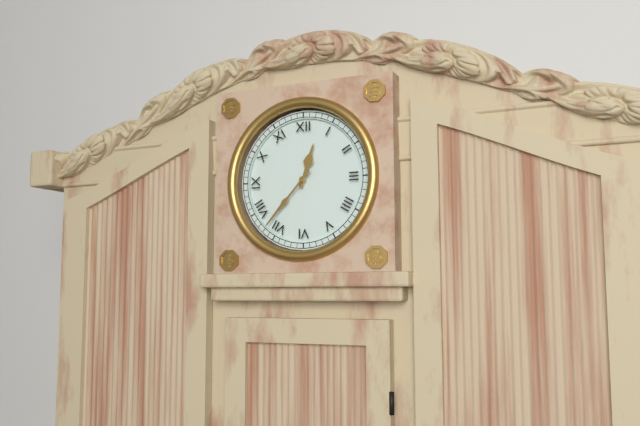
12:37
